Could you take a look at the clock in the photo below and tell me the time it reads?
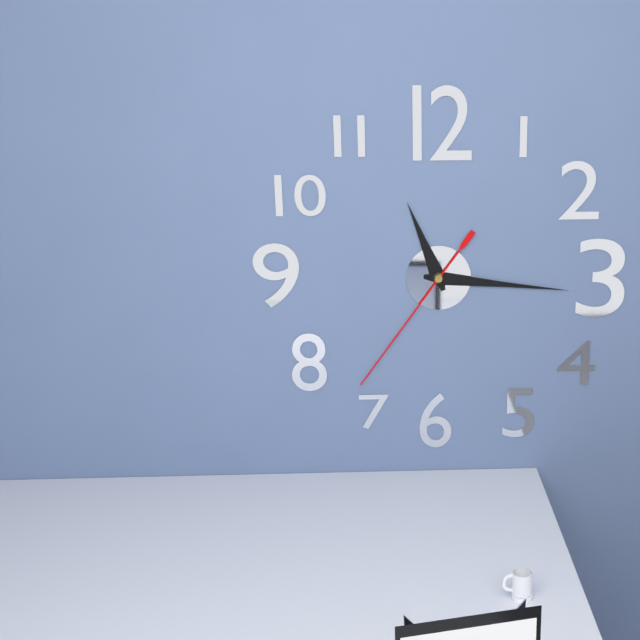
11:16:36
